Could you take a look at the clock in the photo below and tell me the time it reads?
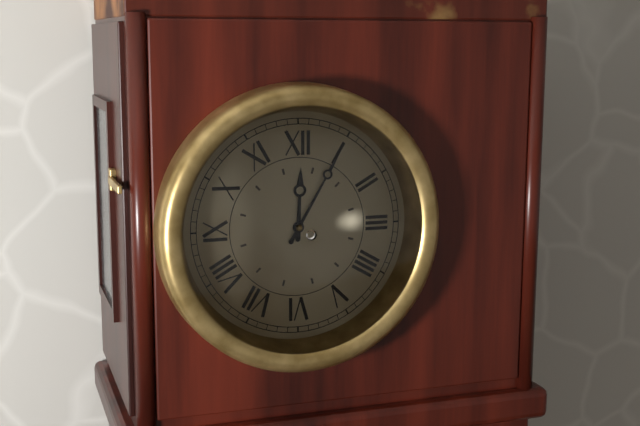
12:05
